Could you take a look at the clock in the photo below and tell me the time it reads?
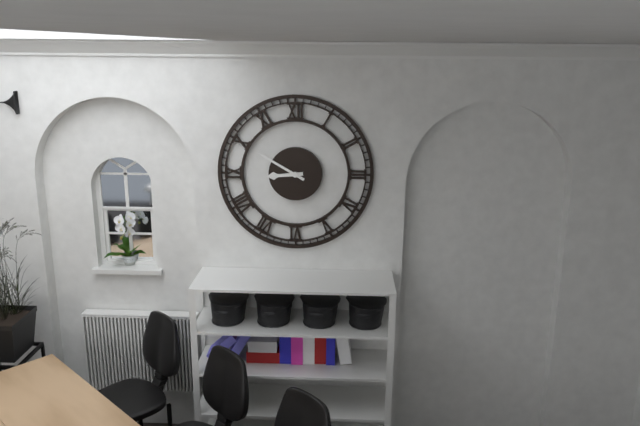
8:50
